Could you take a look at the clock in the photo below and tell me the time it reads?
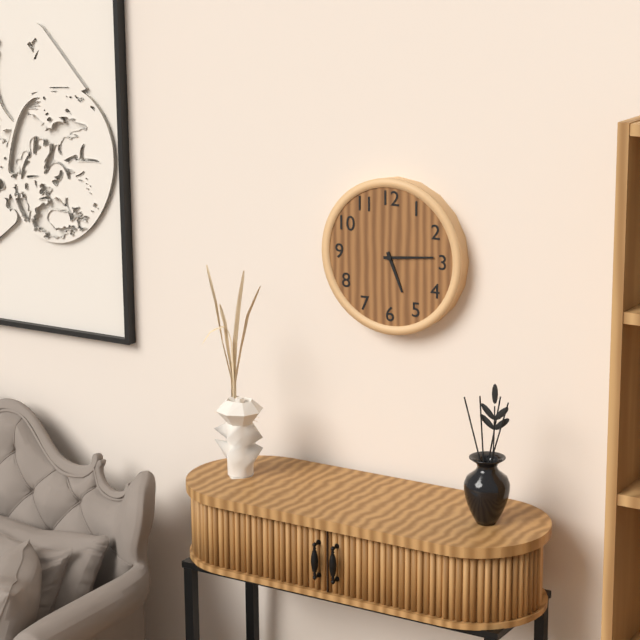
5:14
